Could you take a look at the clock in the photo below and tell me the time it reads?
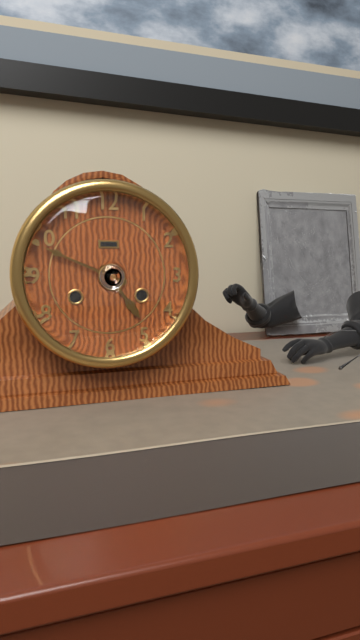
4:49
